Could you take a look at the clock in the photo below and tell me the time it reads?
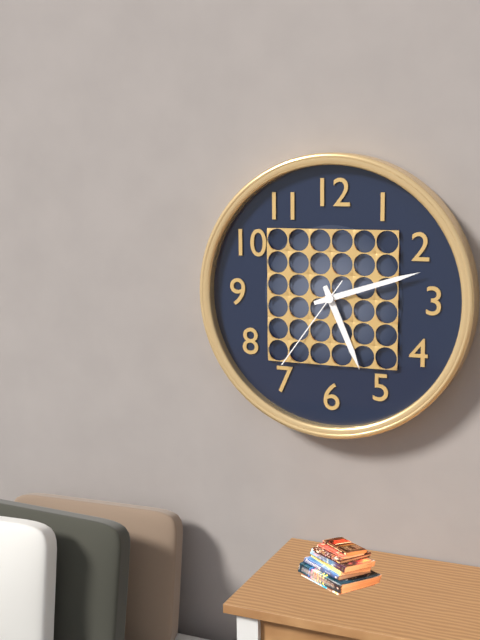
5:12:36
